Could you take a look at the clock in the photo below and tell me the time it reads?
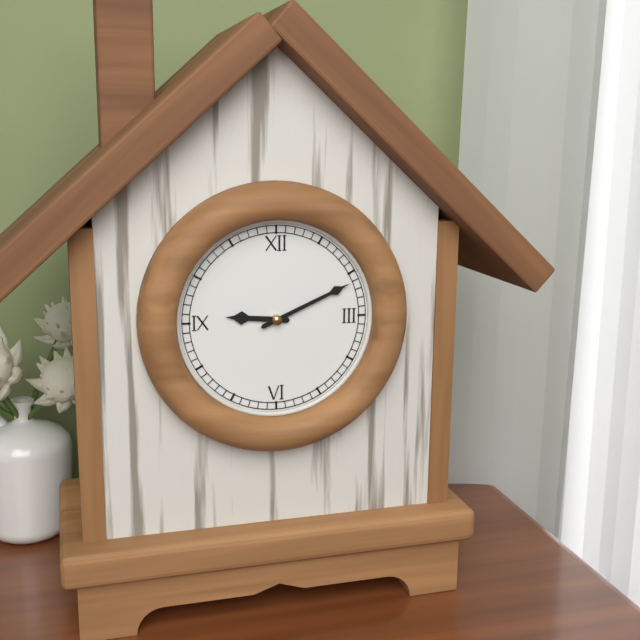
9:11
